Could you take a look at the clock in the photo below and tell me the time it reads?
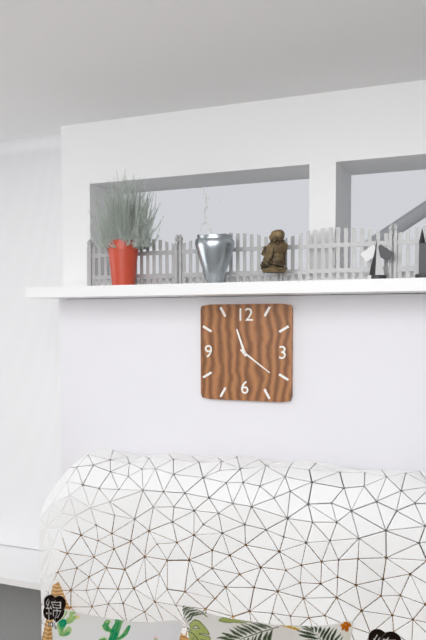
11:21
